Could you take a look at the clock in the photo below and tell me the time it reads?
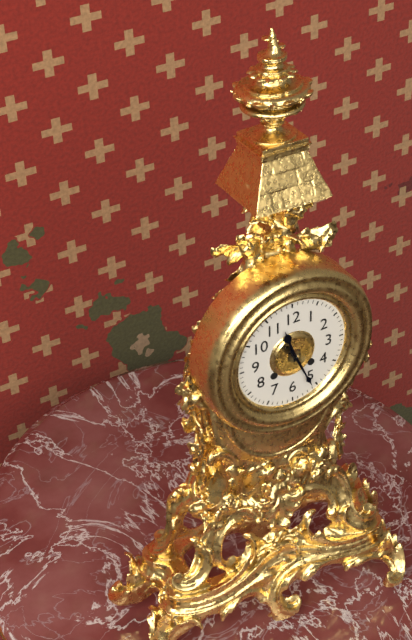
11:26
